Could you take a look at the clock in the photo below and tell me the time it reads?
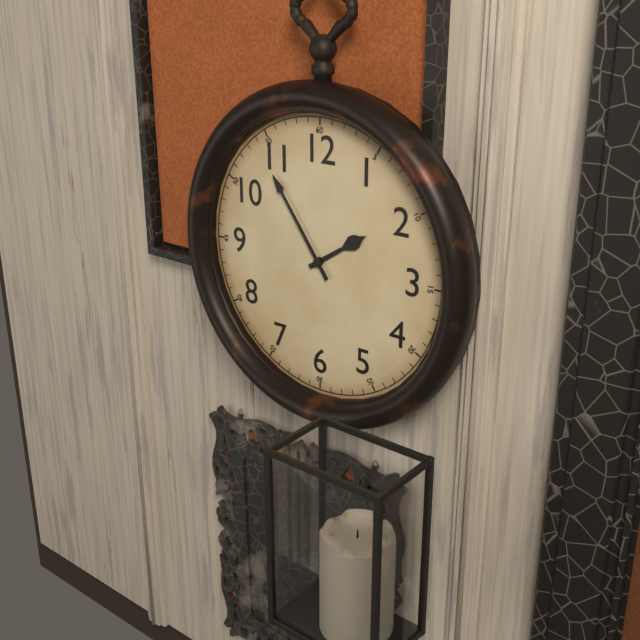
1:54
